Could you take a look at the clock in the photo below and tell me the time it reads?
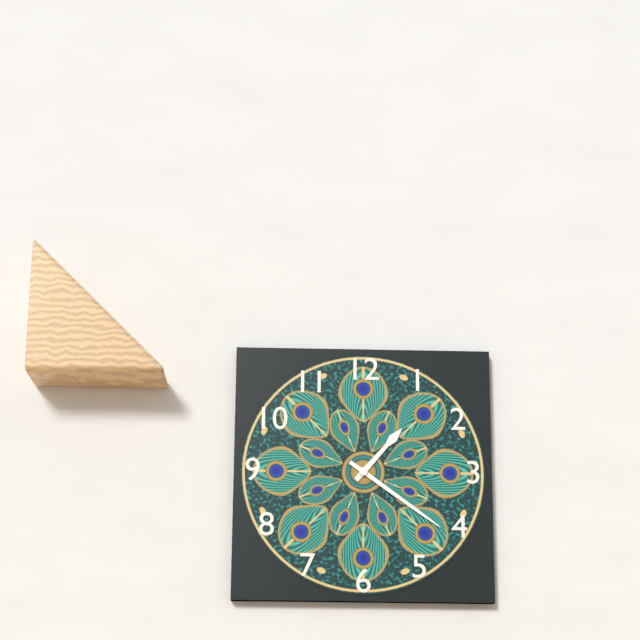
1:21
